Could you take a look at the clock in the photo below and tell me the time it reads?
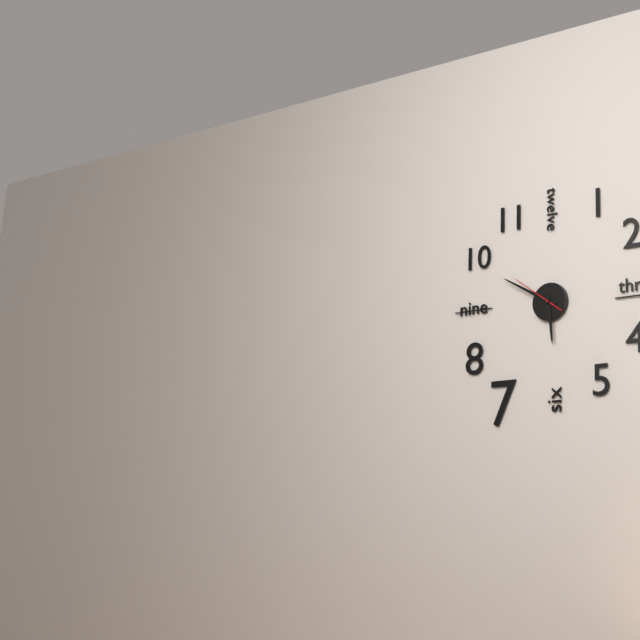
5:50:51
